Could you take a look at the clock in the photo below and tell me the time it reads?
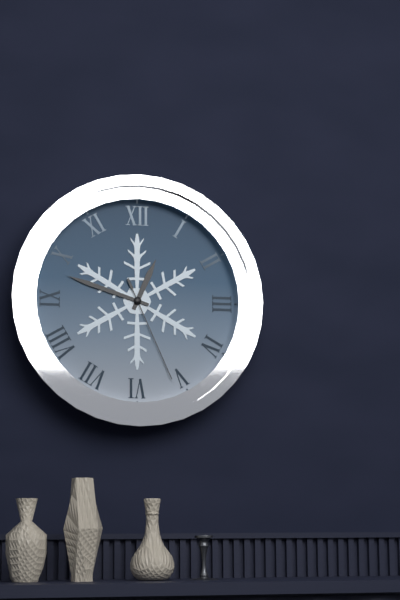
12:48:26
